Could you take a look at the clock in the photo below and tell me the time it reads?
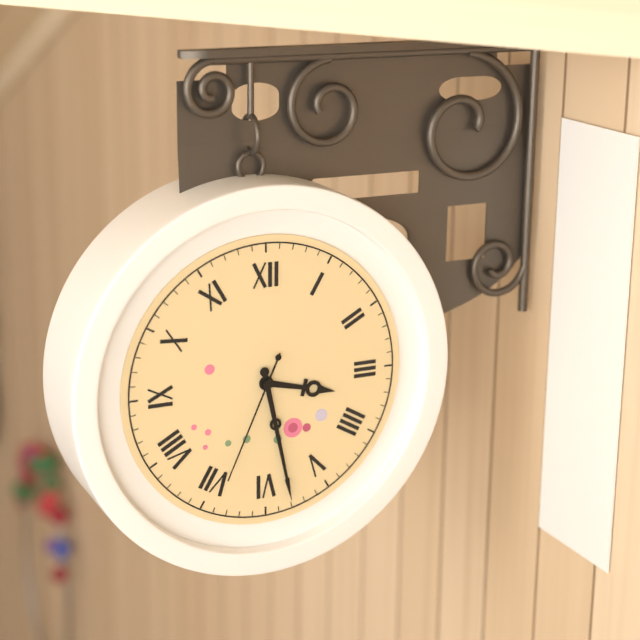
3:28:34
